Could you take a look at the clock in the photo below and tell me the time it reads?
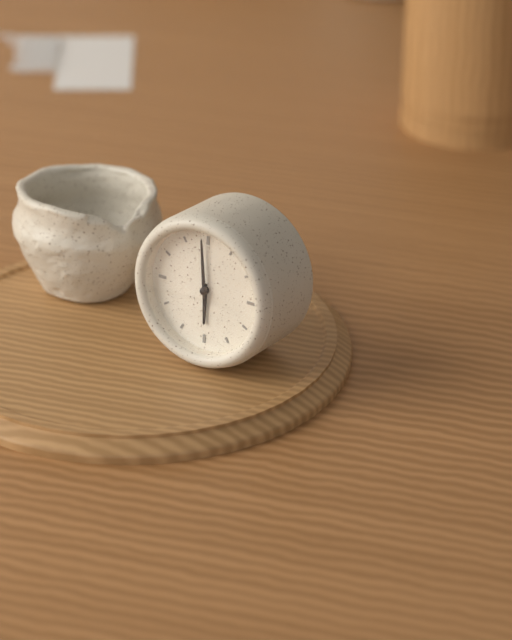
5:59
